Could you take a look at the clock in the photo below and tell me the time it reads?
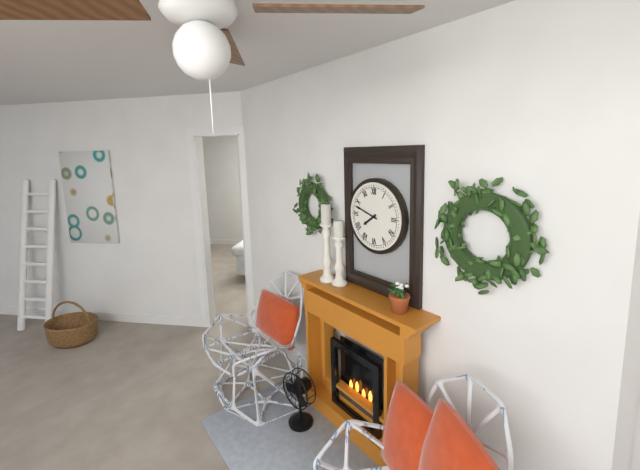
7:48
